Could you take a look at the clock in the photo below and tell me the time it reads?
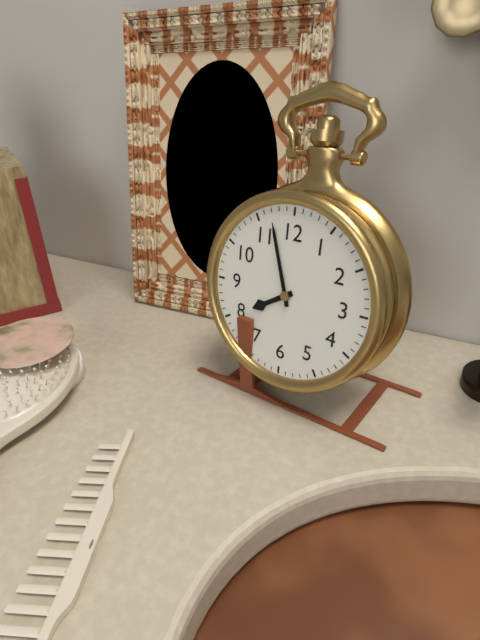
7:57
